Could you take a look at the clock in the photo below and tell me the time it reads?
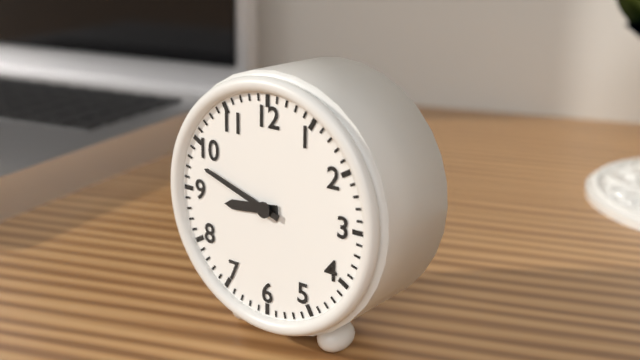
8:48
